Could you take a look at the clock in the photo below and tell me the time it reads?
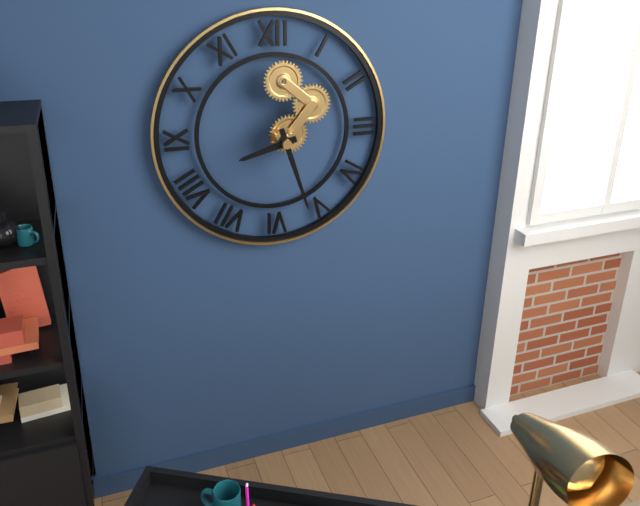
8:27
